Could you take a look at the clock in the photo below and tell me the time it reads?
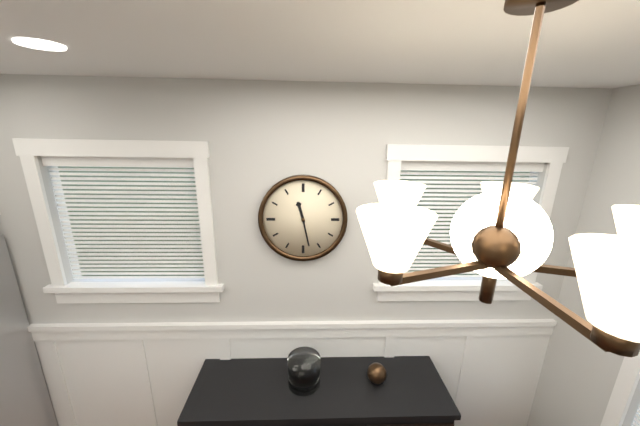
11:28
